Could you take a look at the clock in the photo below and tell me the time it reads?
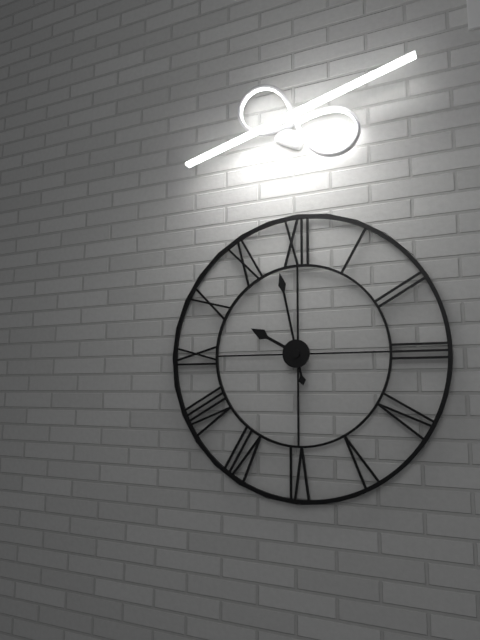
9:58
